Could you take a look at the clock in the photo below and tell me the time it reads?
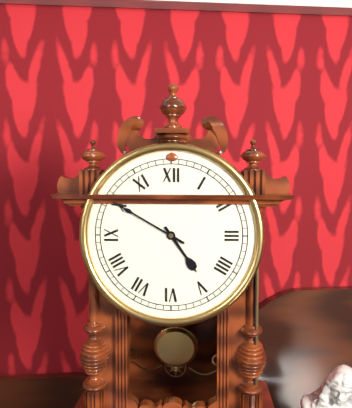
4:50
